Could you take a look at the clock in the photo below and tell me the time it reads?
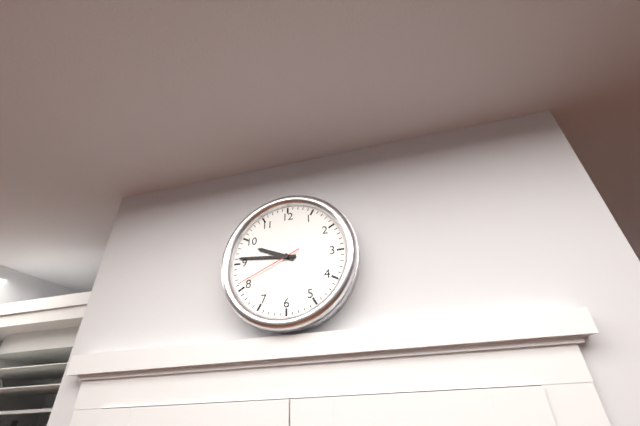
9:46:41
